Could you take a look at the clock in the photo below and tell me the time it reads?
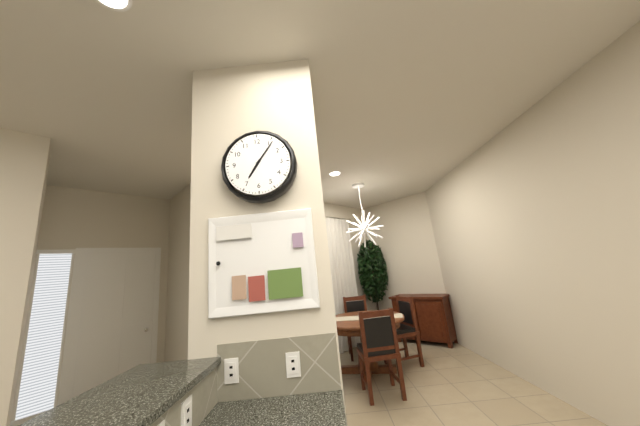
7:06
